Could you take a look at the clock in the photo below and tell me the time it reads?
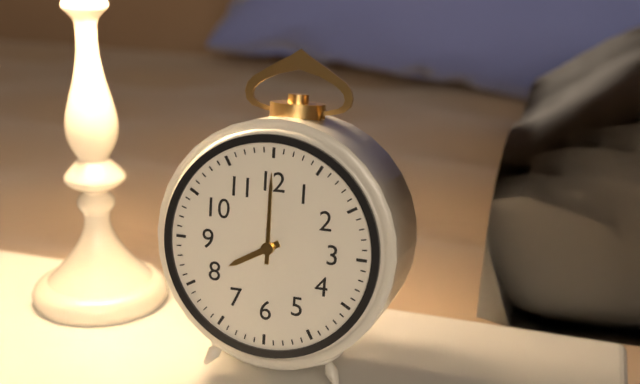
8:00
